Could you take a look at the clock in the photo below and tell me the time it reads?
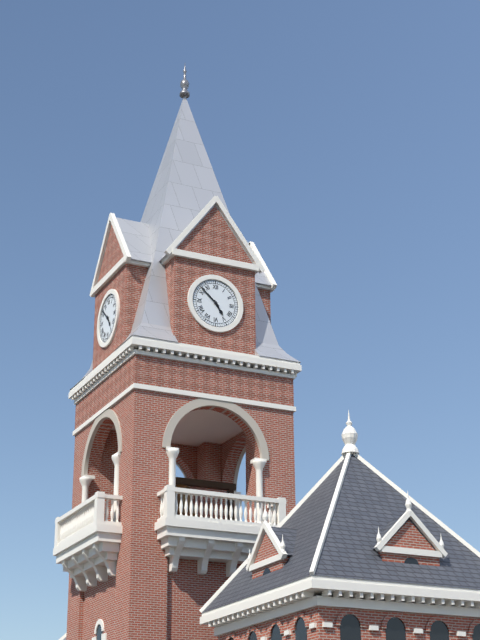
4:52
